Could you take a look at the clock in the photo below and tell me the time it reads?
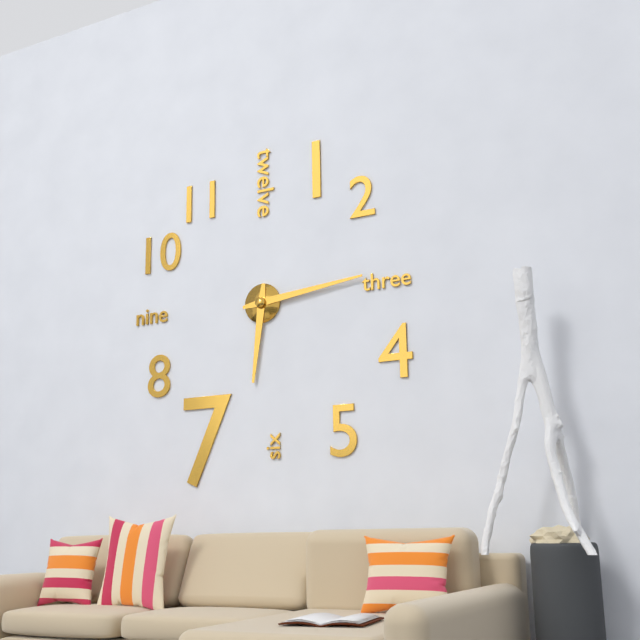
6:14
